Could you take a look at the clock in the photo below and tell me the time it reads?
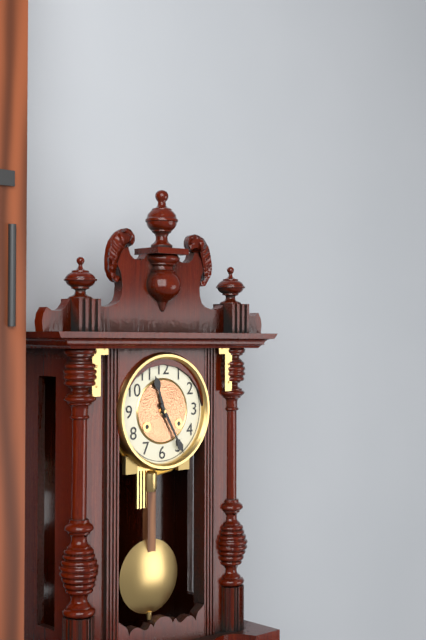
11:25
